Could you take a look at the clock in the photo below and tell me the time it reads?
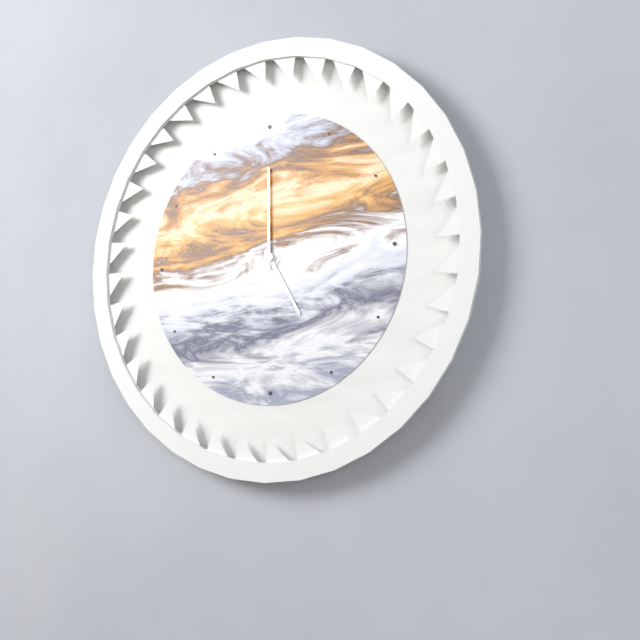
5:00
